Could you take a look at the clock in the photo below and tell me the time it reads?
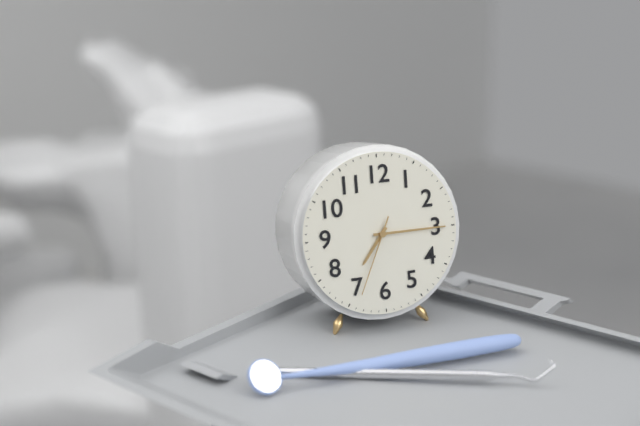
7:15:34
